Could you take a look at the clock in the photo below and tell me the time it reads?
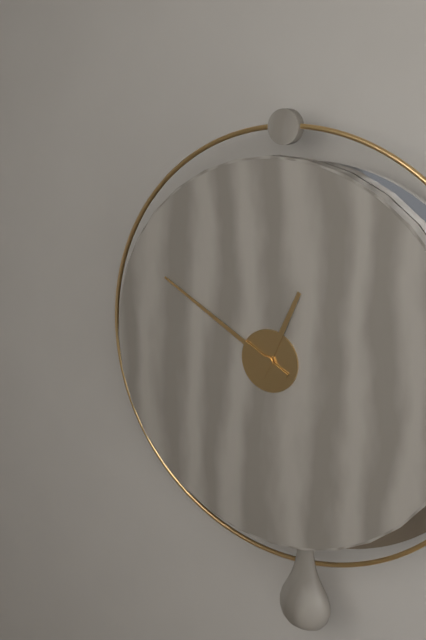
12:50
